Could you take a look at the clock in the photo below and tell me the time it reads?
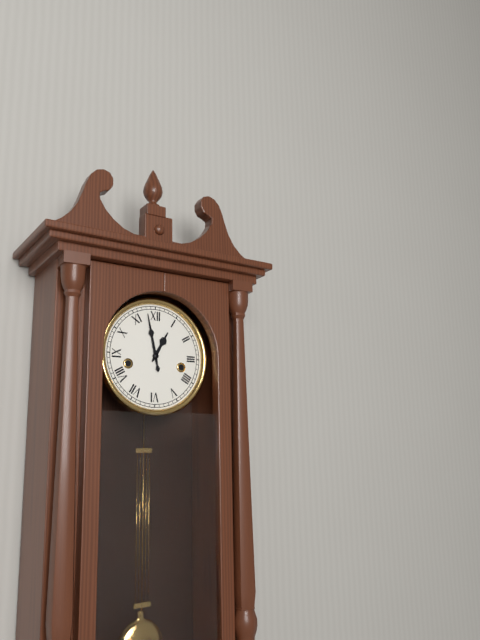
12:58
